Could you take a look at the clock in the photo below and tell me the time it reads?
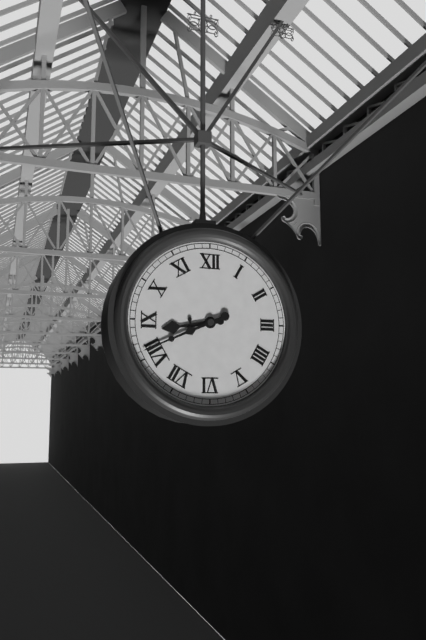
8:41
